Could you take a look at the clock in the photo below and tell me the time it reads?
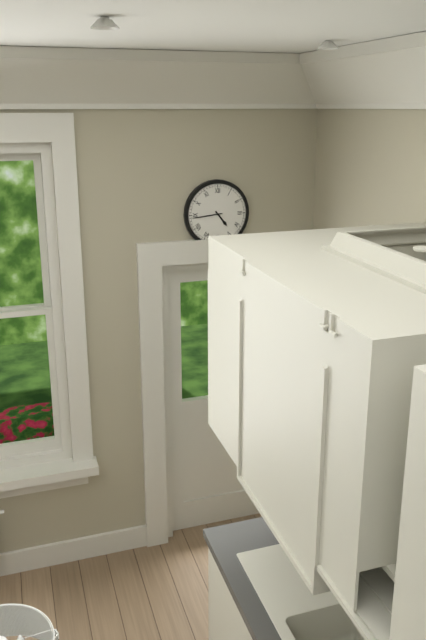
4:44
